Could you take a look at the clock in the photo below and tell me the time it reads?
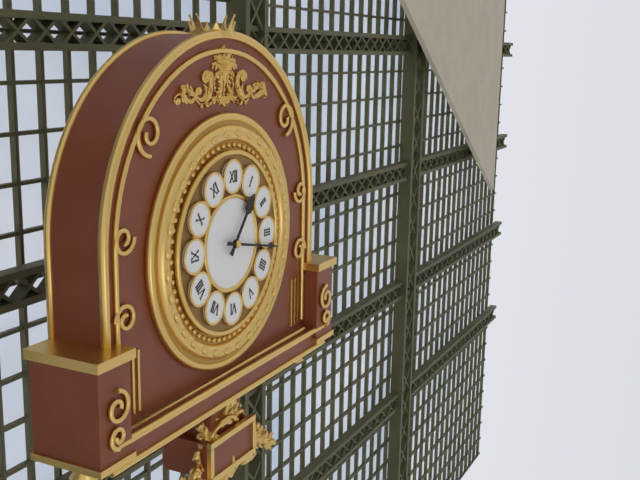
1:17
